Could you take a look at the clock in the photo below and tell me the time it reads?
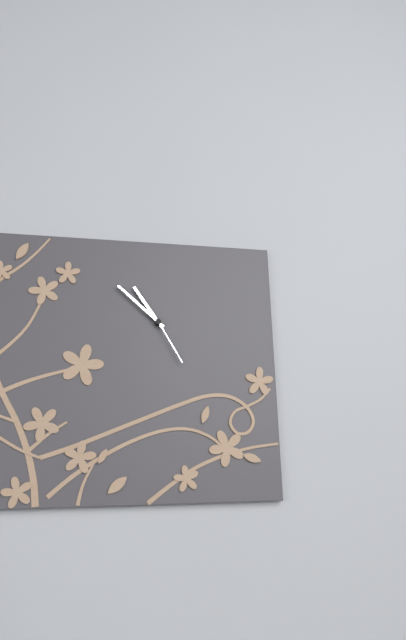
10:52:25
